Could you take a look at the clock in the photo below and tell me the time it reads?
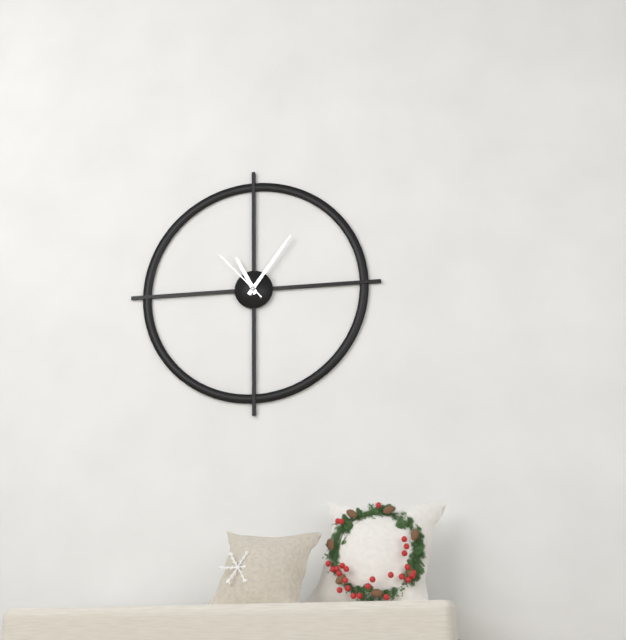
11:06:53
